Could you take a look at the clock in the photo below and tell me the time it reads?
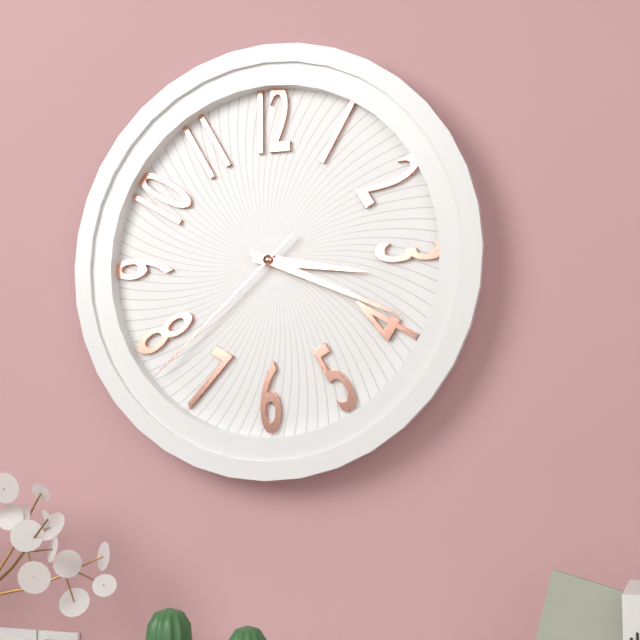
3:19:38
